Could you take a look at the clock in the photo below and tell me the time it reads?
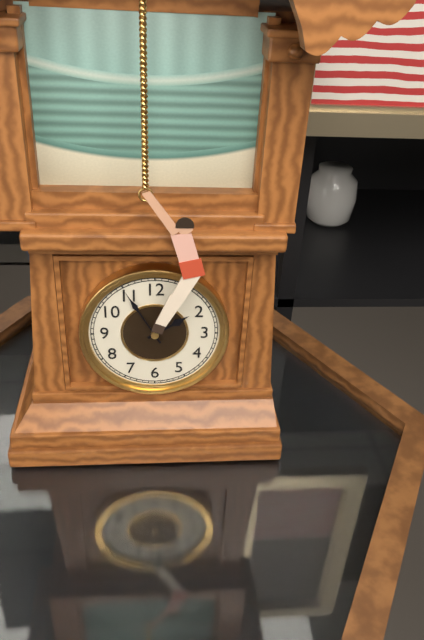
1:55
